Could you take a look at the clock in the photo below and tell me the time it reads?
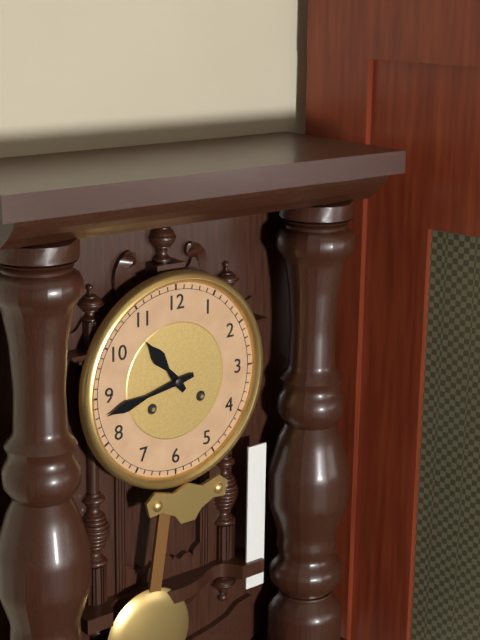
10:43
